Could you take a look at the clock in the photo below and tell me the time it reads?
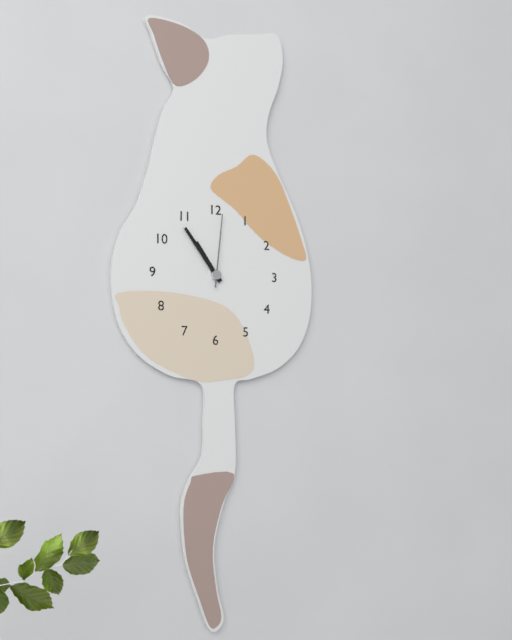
10:54:01
